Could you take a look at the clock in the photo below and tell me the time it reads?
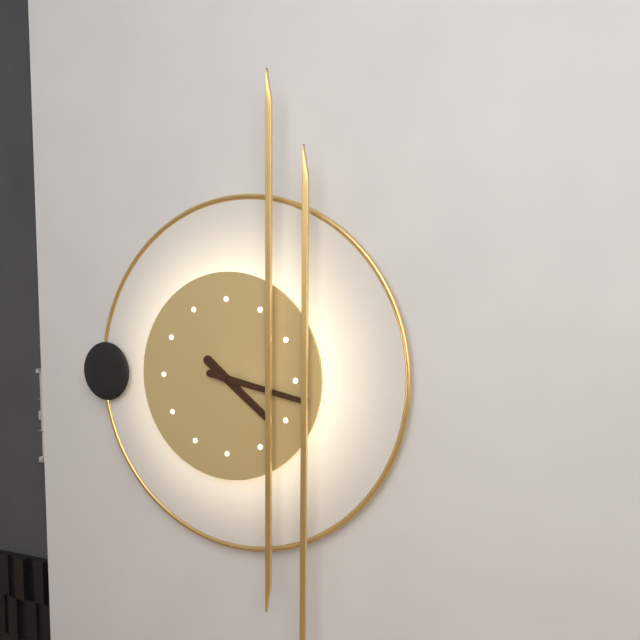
4:17
